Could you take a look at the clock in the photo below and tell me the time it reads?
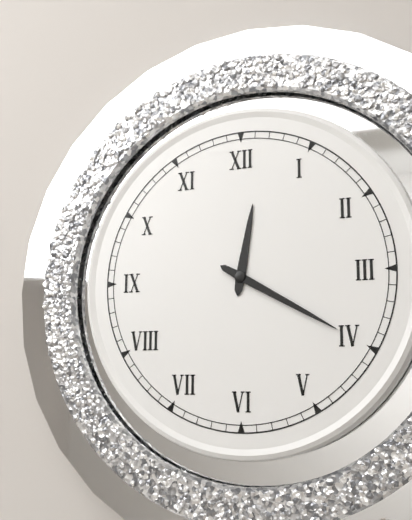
12:20
